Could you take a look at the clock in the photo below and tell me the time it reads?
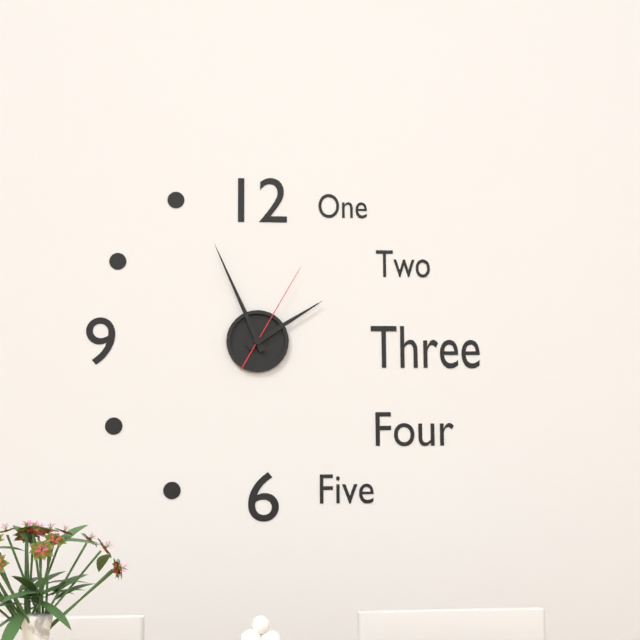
1:56:05
